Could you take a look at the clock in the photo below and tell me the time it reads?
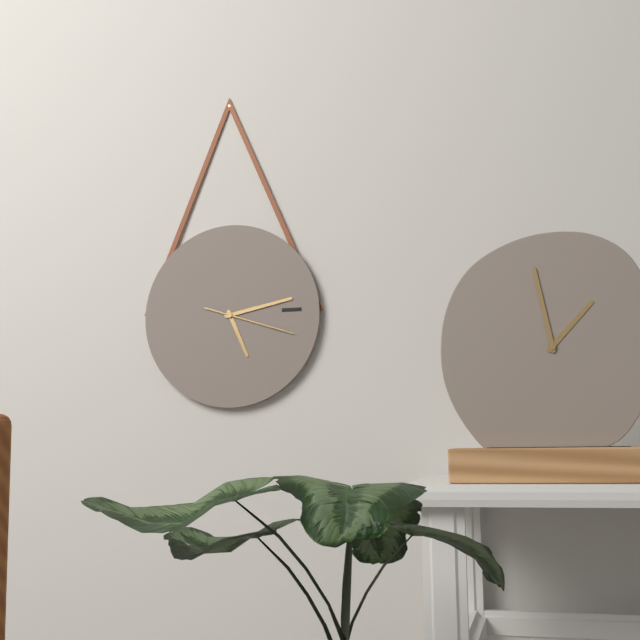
5:13:18
